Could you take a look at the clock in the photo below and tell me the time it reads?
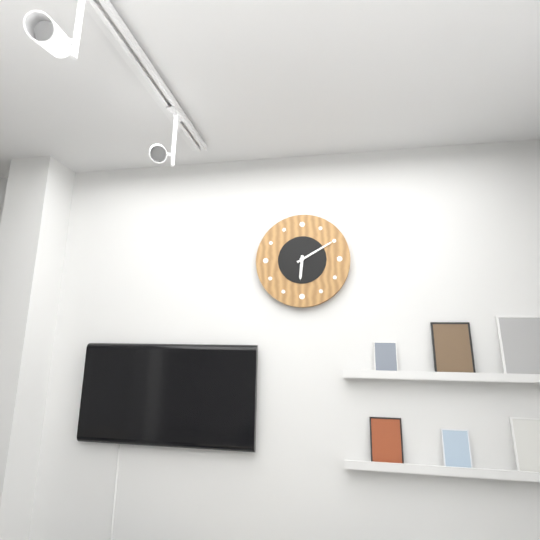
6:10
